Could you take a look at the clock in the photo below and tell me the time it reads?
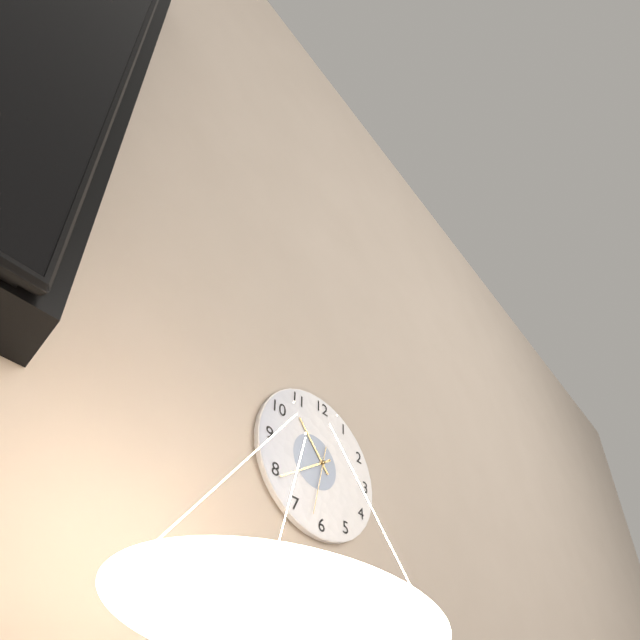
10:39:32
